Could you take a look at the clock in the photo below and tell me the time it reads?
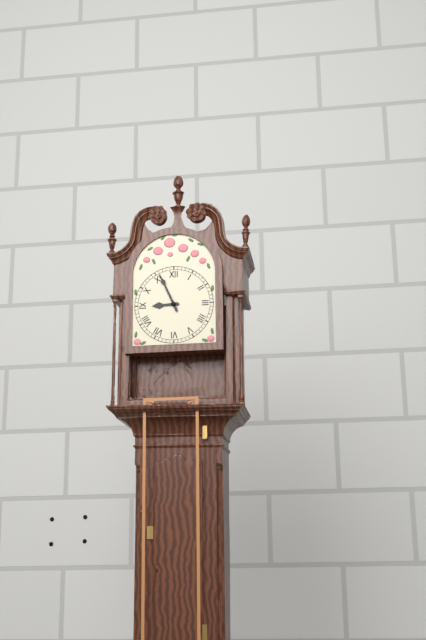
8:56
